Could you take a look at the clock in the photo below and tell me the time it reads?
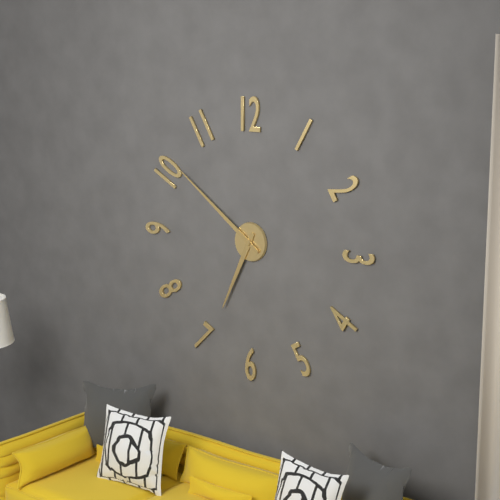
6:51
